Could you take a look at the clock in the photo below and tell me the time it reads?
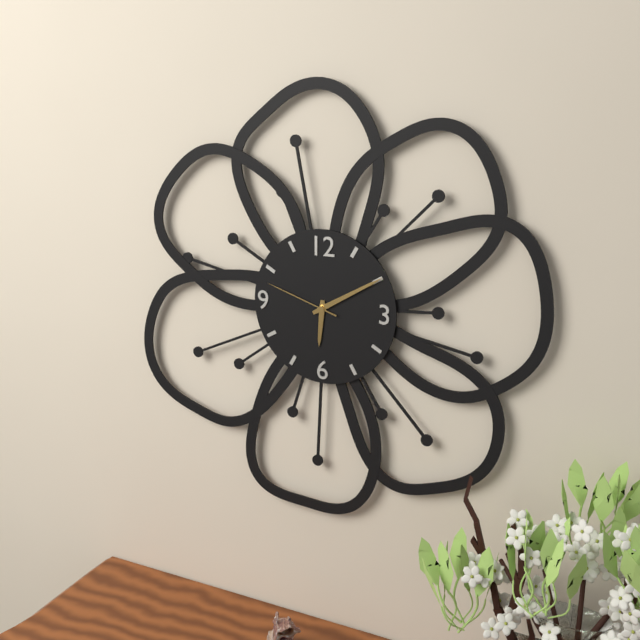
6:10:48
